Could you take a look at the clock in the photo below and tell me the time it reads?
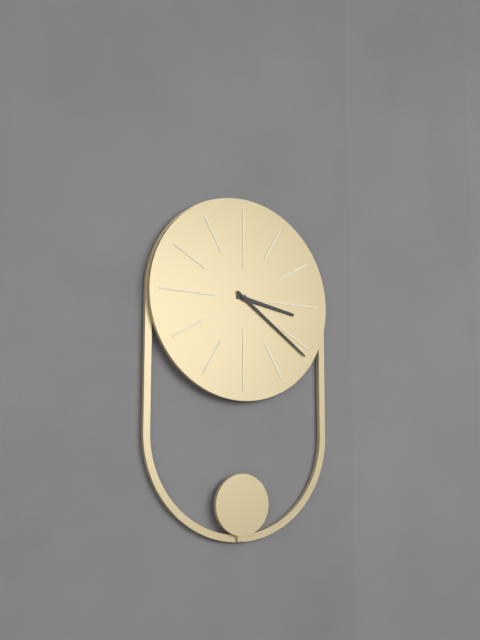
3:21
